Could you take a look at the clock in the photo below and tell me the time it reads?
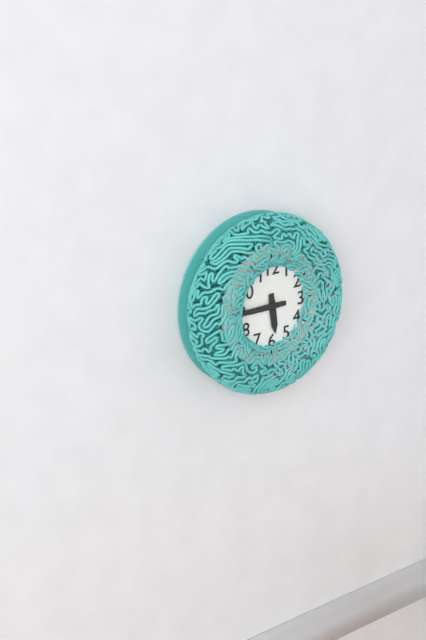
5:45
